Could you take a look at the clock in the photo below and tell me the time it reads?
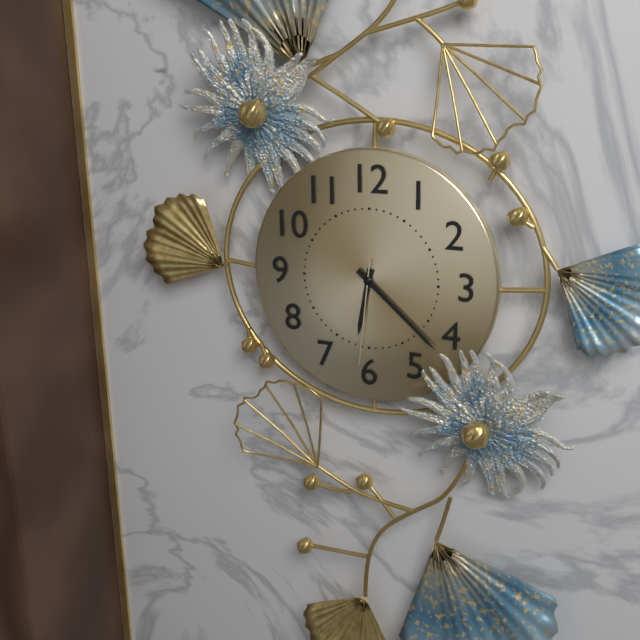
6:22:31
